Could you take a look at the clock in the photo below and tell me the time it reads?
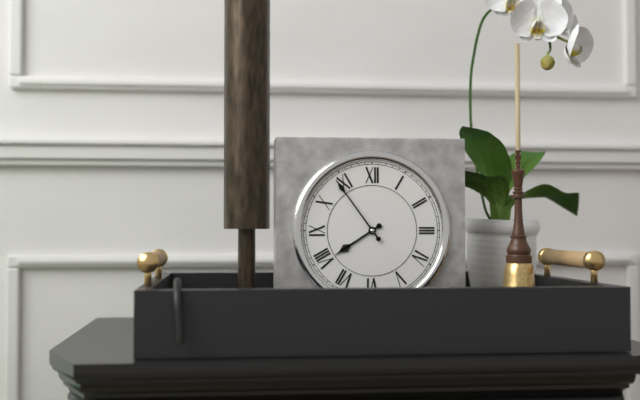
7:54
